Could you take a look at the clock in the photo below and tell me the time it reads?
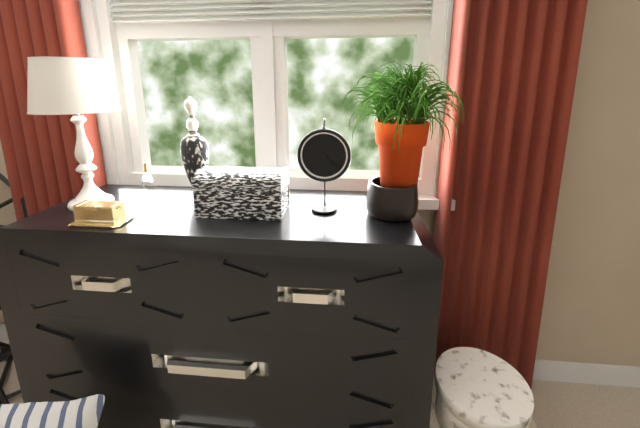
1:22
